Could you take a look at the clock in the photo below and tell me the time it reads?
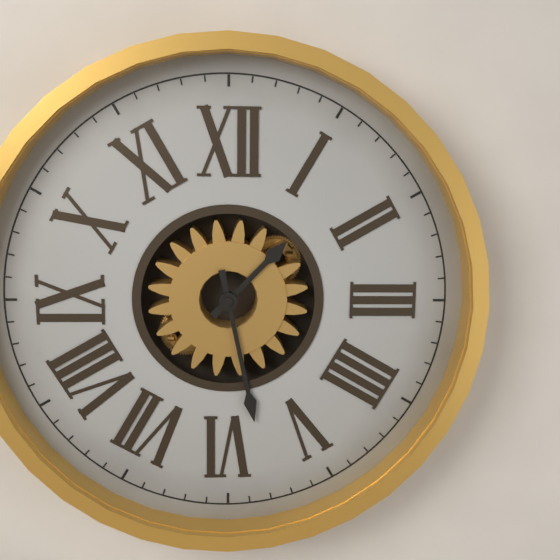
1:28
